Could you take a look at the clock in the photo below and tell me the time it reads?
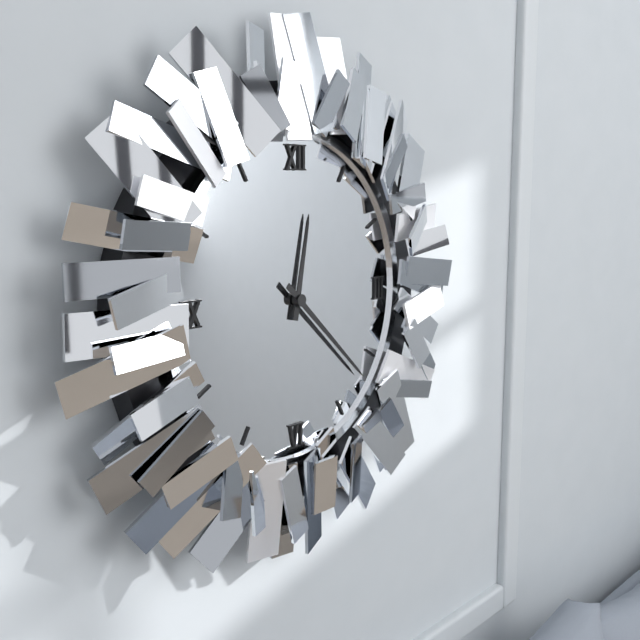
12:22
